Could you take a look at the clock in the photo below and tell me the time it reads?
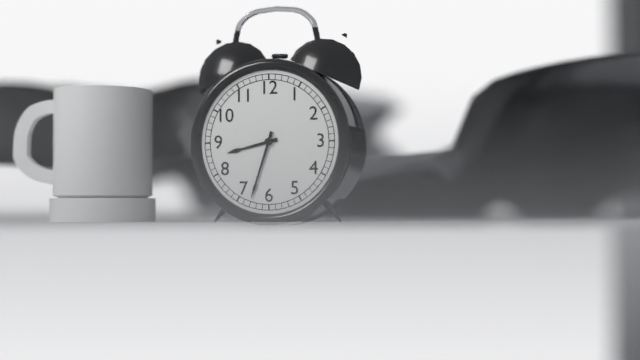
8:33
